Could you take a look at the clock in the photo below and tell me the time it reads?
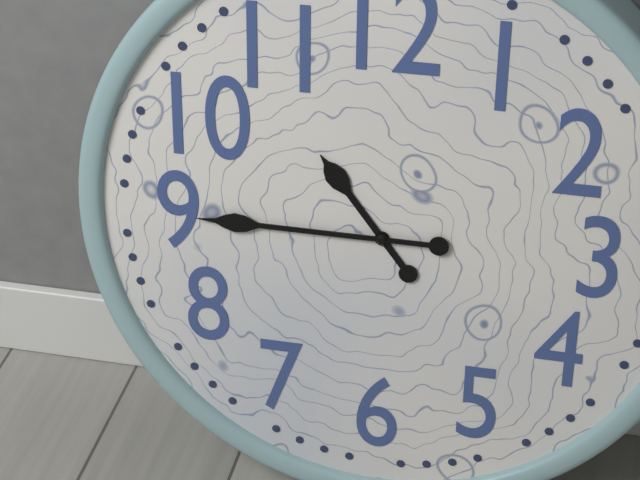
10:45
